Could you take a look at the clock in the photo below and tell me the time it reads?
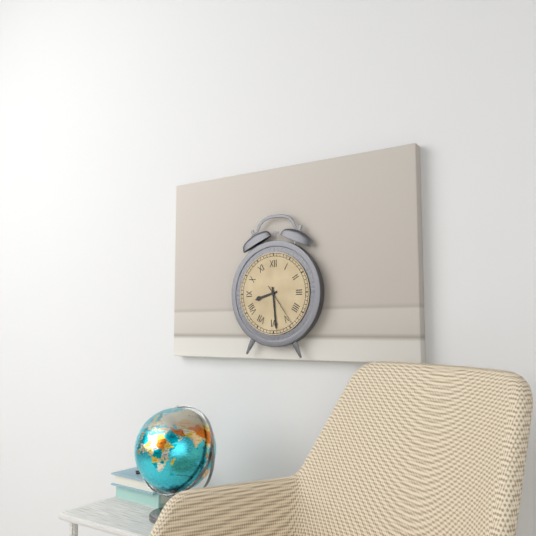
8:29
